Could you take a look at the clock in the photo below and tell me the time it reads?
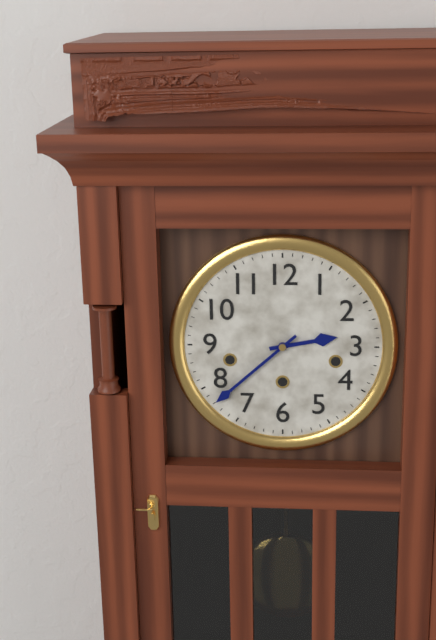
2:38
